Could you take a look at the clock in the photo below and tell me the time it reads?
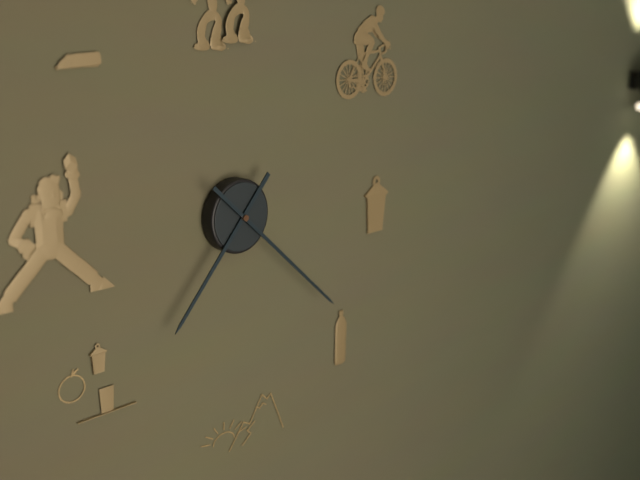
7:22
